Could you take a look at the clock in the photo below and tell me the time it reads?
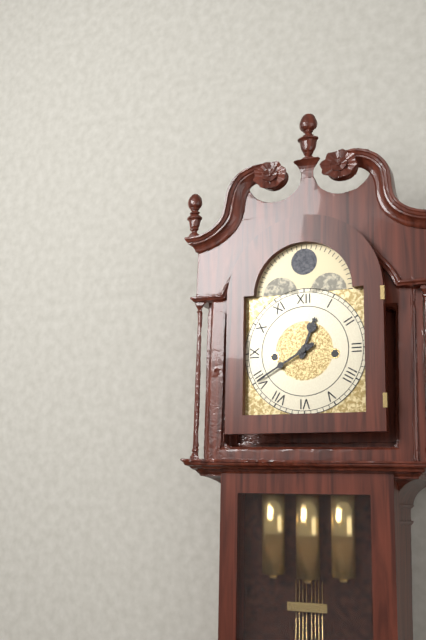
12:40
